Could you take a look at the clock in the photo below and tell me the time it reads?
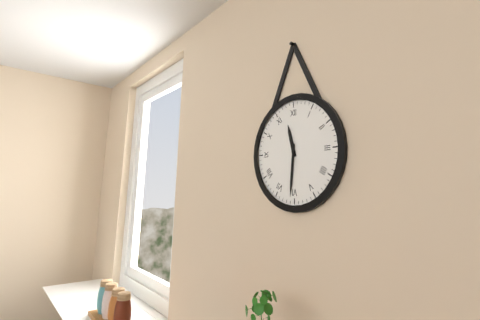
11:31
